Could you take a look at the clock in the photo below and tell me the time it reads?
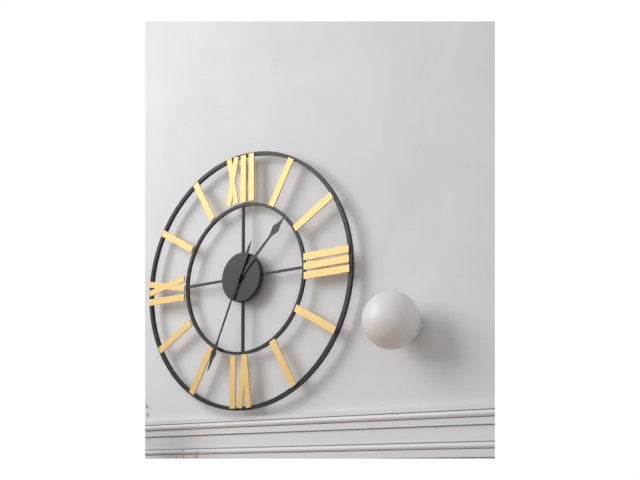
1:34
